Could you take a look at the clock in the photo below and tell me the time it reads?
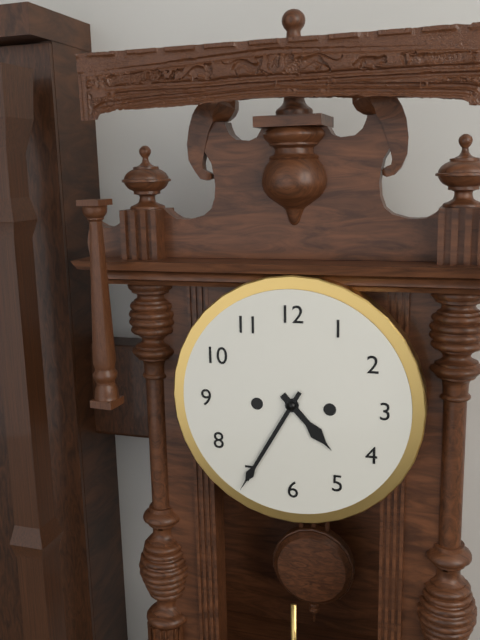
4:35
